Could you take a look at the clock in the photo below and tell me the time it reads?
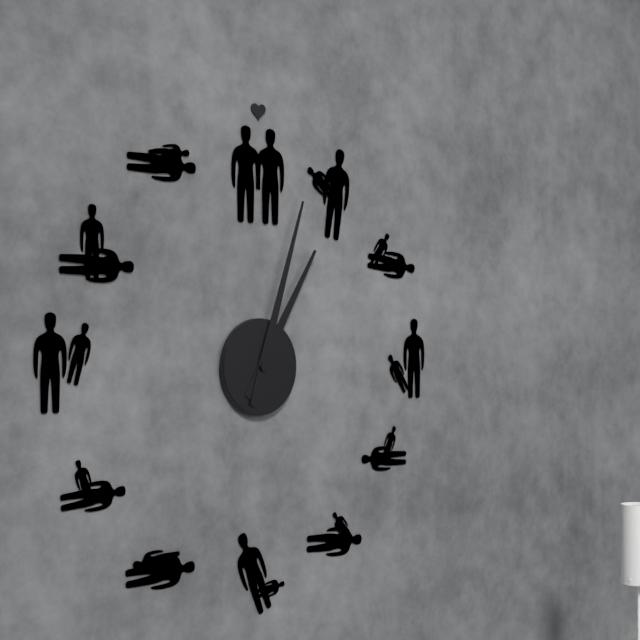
1:03
